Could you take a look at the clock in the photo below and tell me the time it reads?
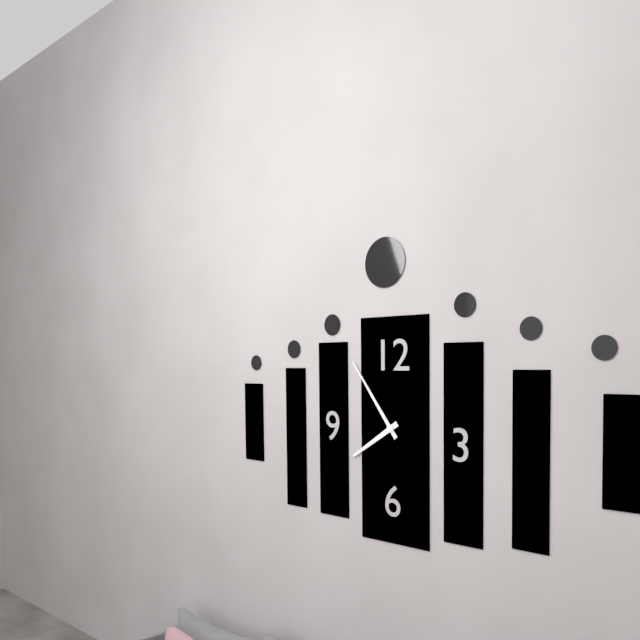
7:54
